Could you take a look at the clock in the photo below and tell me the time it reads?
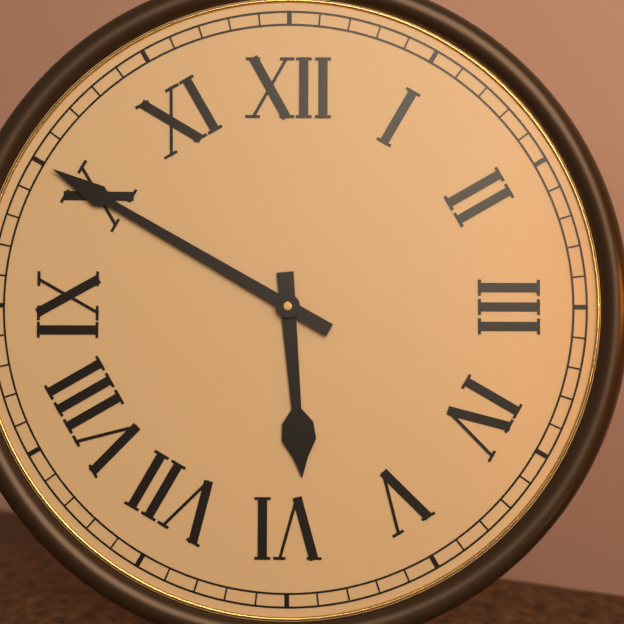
5:50
